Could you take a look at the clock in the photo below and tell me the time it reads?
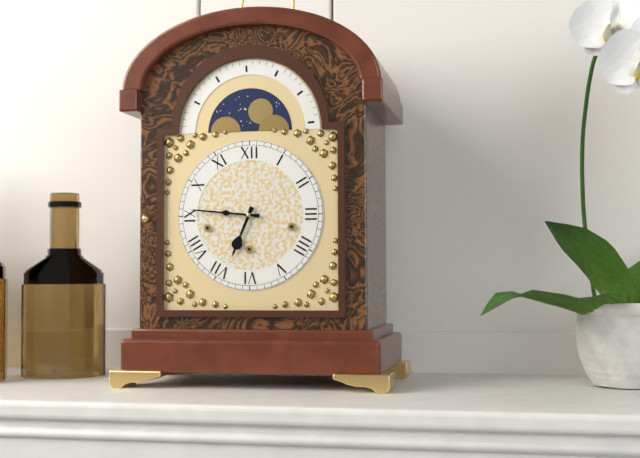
6:46
